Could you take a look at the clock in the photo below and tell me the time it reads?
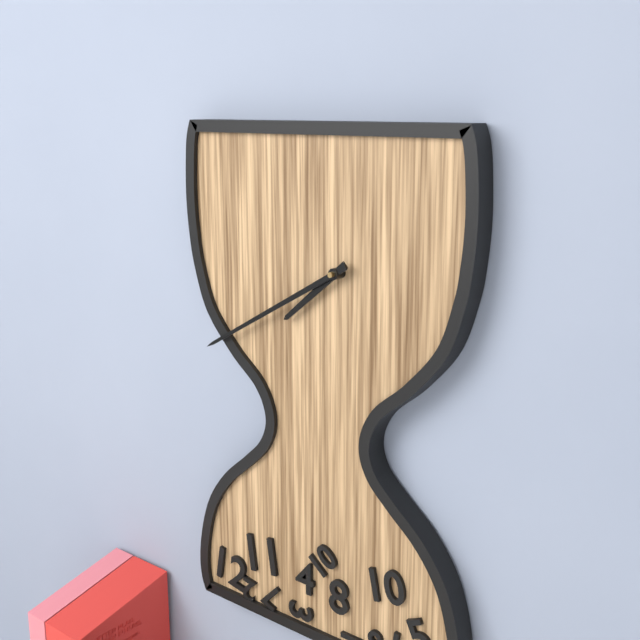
7:40
